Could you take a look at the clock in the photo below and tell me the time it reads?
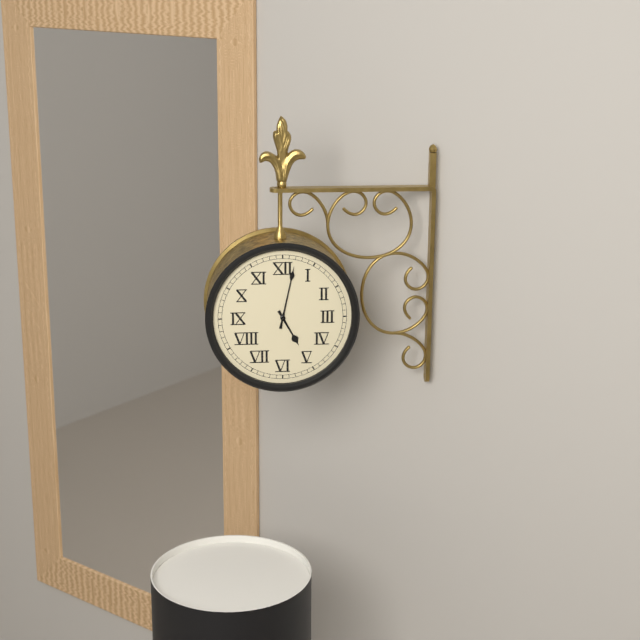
5:02
